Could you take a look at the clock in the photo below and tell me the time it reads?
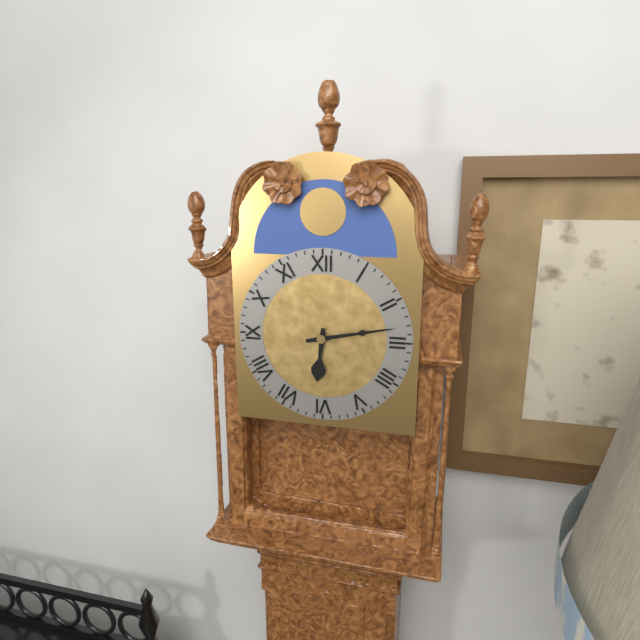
6:13
